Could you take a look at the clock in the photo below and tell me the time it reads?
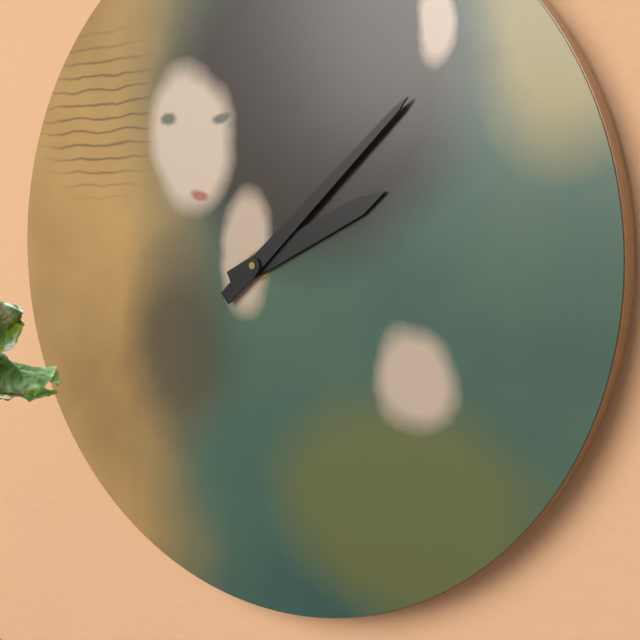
2:08
